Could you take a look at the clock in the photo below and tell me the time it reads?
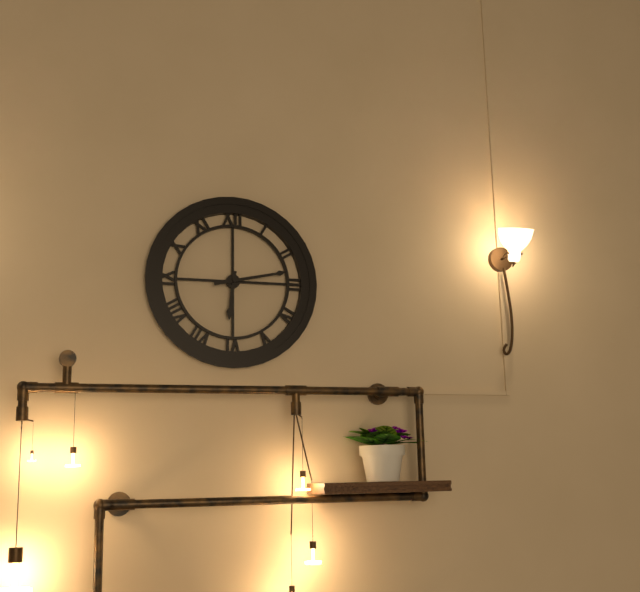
6:13
